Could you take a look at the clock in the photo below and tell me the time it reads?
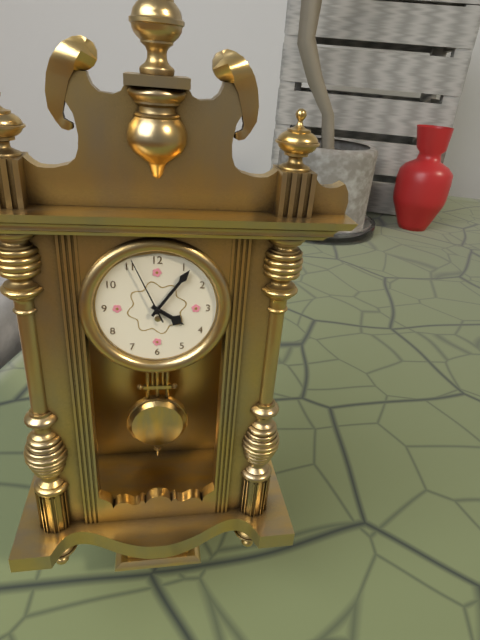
4:06:56
